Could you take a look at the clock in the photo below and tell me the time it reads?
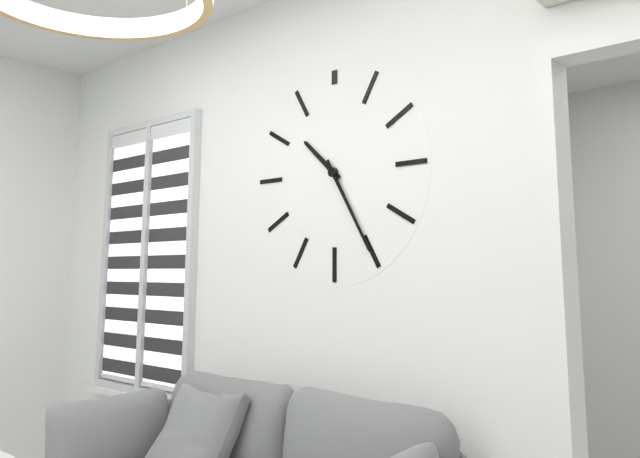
10:25
